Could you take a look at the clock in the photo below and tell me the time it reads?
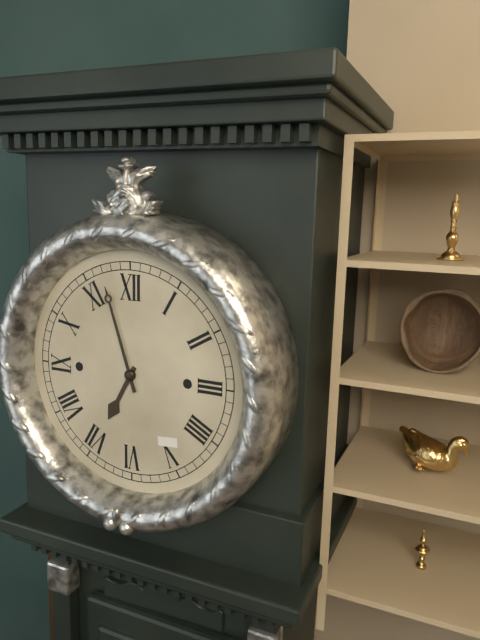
6:57
